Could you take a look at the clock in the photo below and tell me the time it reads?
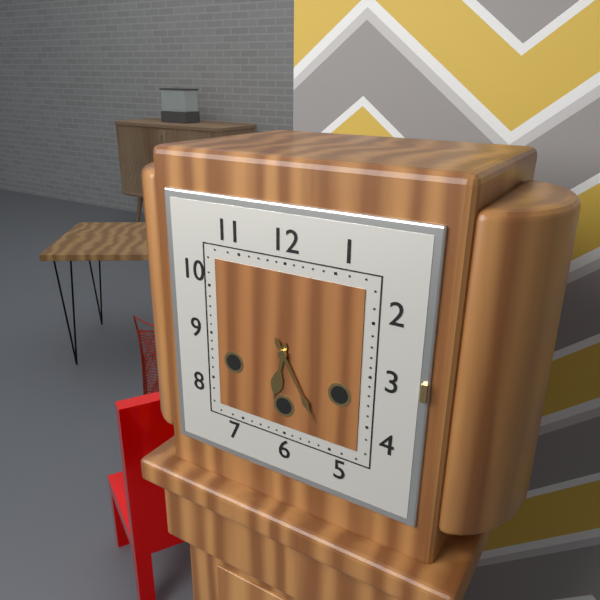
6:25
